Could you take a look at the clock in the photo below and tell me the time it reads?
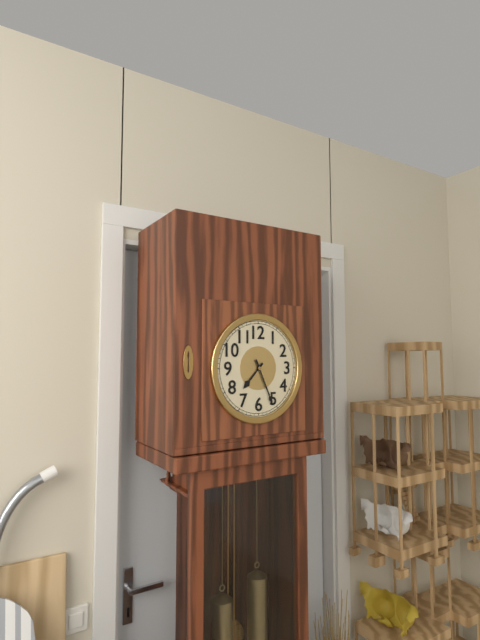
7:26
